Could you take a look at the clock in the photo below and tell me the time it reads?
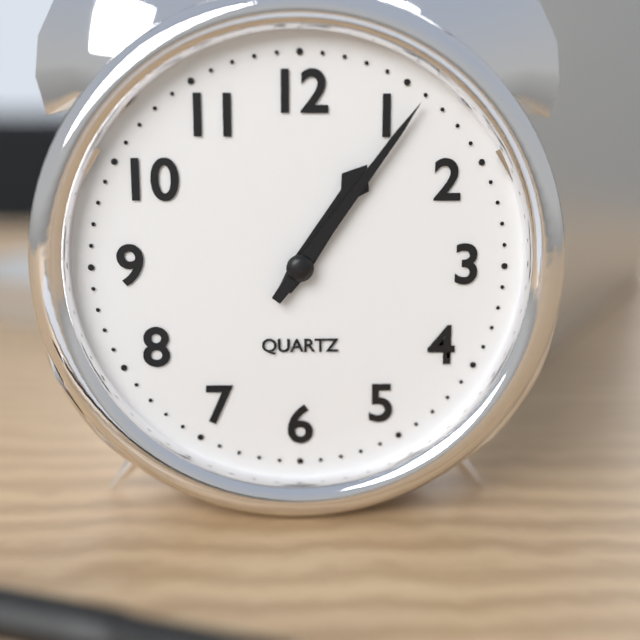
1:06
